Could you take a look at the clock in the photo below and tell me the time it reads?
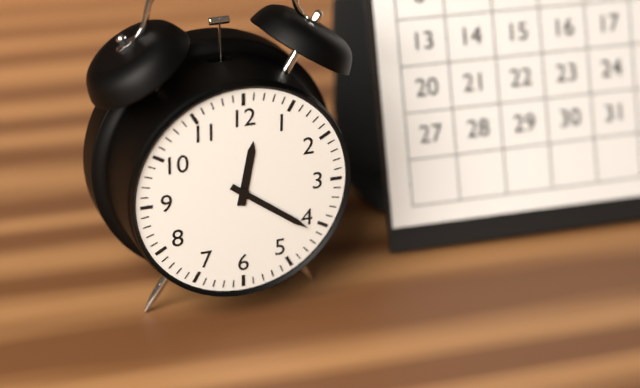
12:21
